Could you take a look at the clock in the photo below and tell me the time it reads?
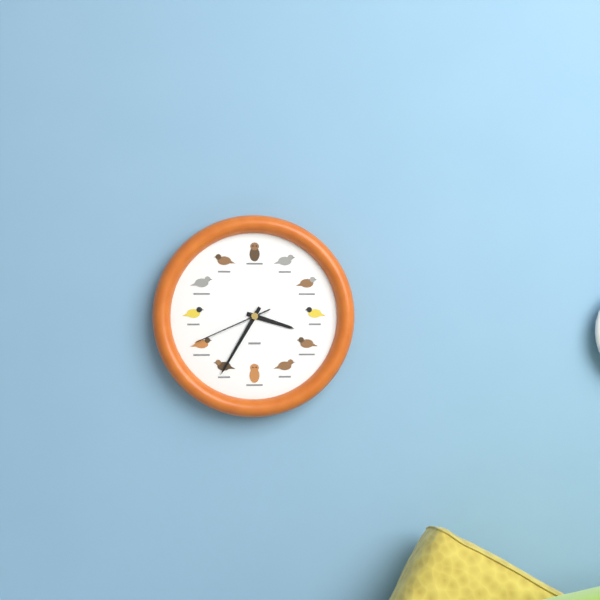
3:35:41
